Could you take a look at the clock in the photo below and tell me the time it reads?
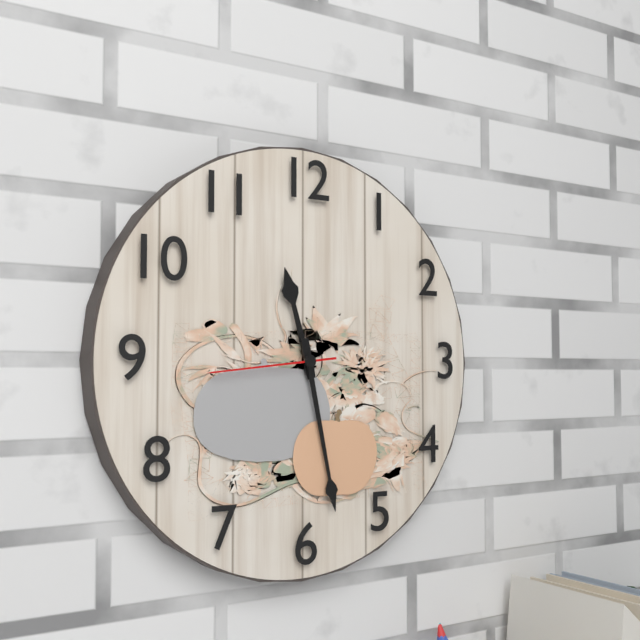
11:28:44
